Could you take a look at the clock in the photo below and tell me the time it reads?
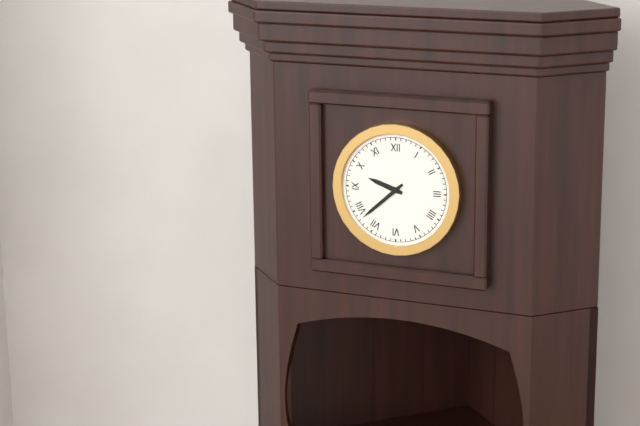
9:38
